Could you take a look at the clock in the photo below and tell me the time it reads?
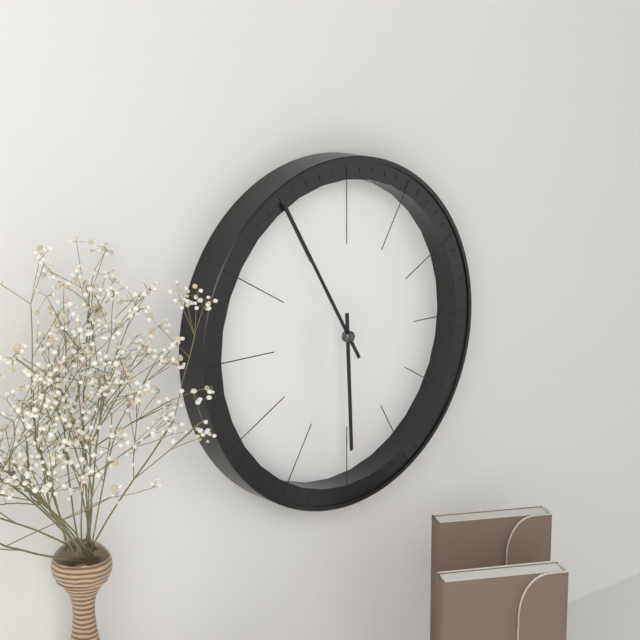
5:55
